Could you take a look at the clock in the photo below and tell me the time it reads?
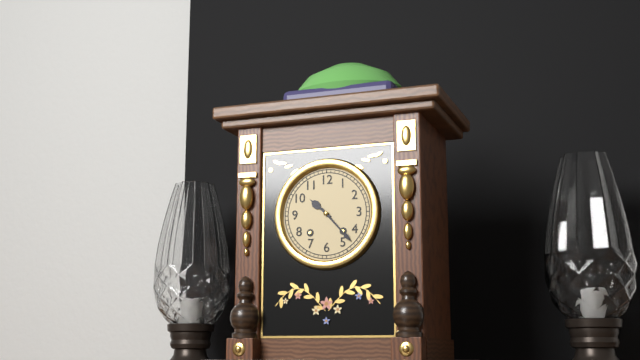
10:23
